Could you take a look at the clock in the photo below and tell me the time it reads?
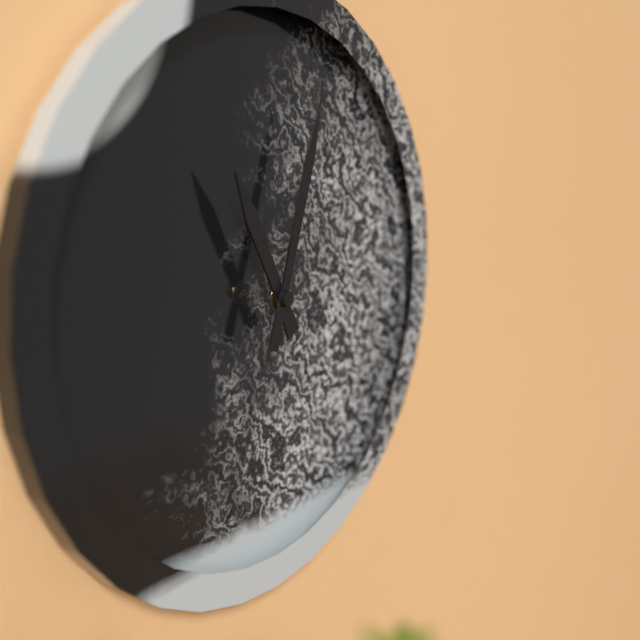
11:03
